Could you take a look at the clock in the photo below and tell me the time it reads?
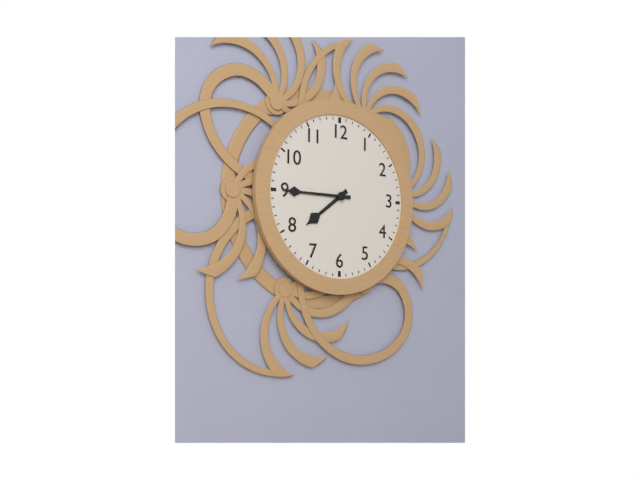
7:45
